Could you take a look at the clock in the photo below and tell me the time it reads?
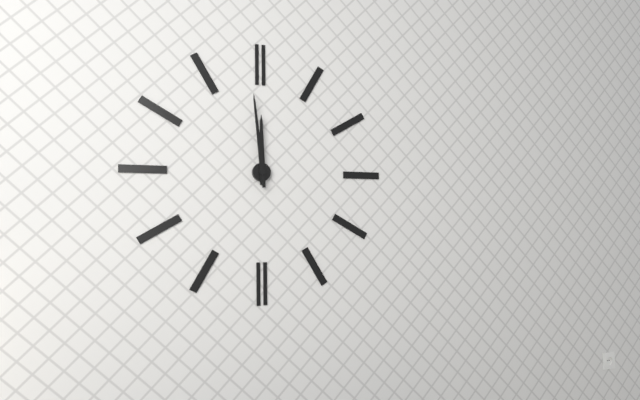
11:59
